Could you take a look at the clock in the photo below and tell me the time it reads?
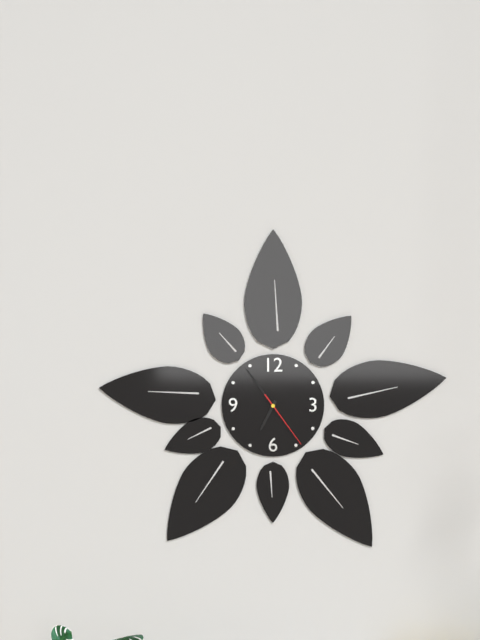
6:54:24
